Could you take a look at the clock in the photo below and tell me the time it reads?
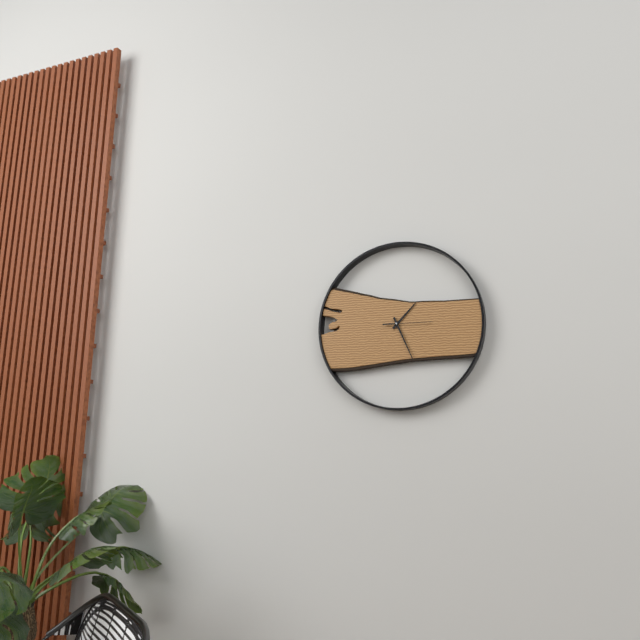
1:26
